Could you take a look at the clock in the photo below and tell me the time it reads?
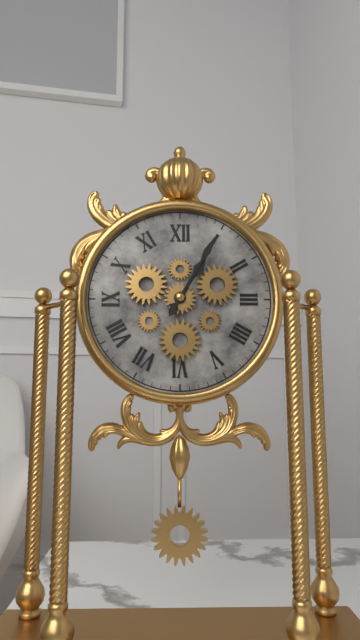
1:05
